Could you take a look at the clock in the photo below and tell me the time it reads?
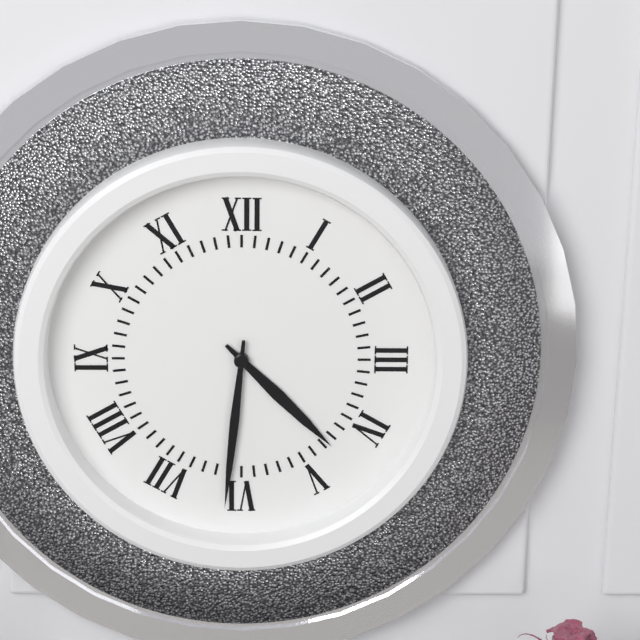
4:31
